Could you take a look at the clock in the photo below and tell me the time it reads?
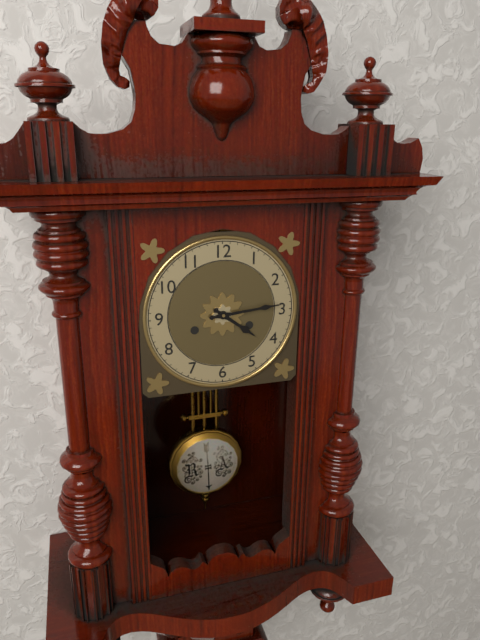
4:14
